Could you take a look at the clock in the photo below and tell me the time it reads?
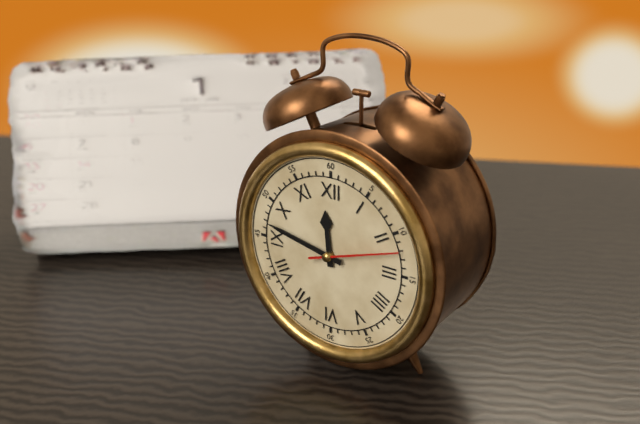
11:47:12
